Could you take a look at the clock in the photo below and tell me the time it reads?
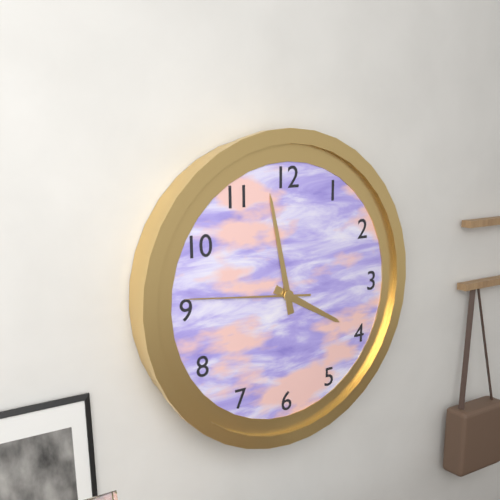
3:58:46
